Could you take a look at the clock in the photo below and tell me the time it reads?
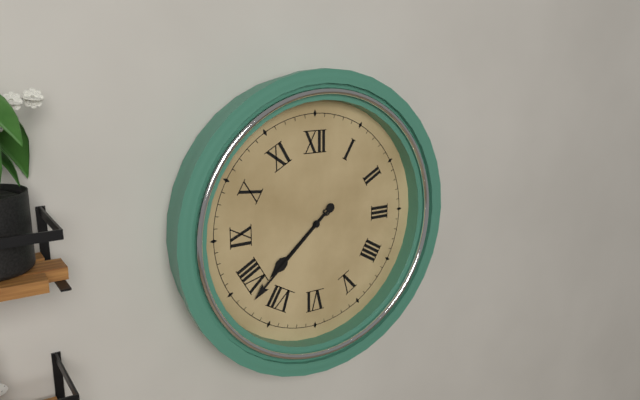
7:38
